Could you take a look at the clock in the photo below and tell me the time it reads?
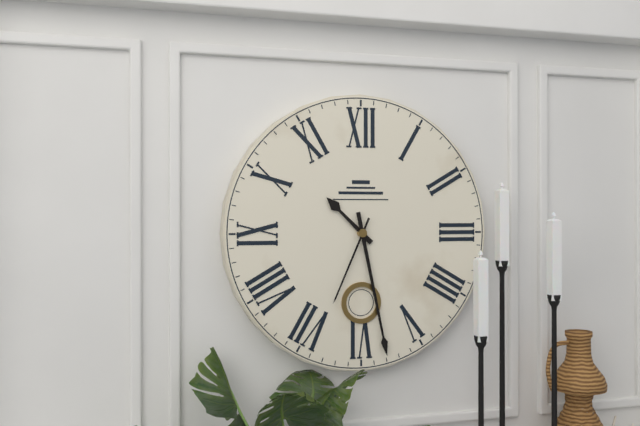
10:28:34
